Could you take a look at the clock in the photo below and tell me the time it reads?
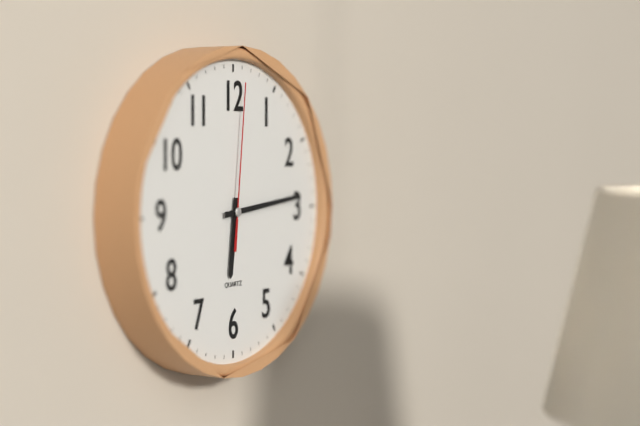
6:14:01
